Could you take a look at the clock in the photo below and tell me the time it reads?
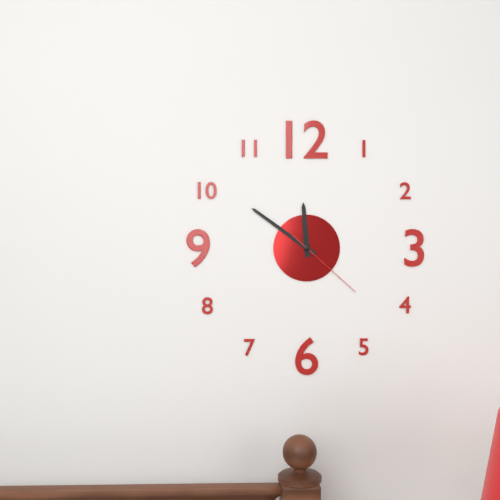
11:51:22
